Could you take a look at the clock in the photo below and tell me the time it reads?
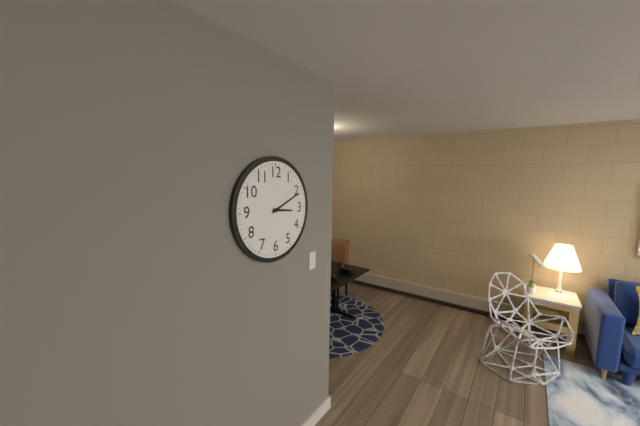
3:11
